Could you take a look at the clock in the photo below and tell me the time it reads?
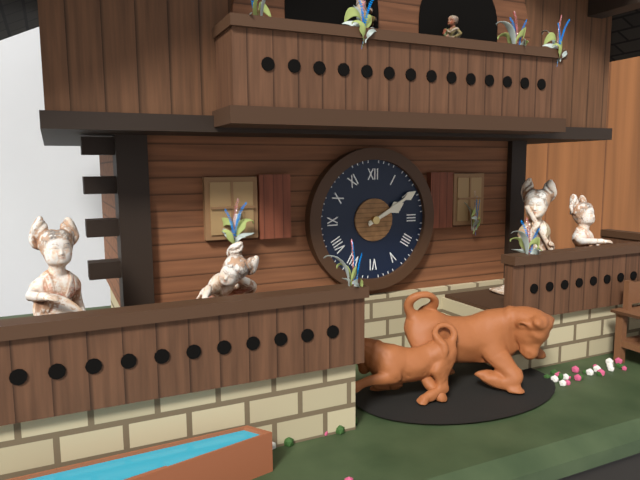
2:10
